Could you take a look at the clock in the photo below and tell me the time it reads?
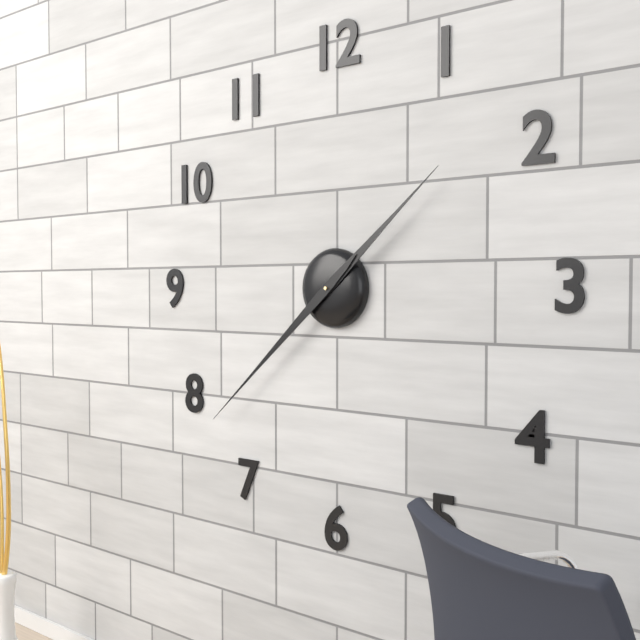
1:38
